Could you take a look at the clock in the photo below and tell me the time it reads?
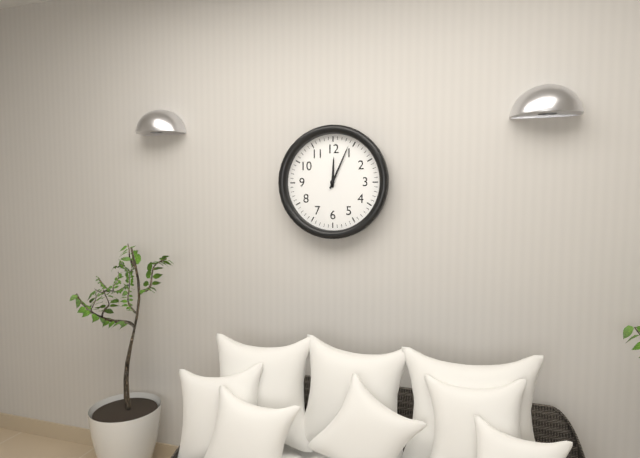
12:04
